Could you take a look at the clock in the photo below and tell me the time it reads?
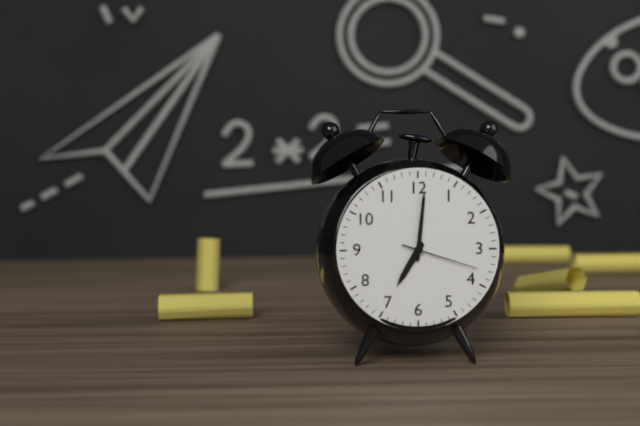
7:01:18
